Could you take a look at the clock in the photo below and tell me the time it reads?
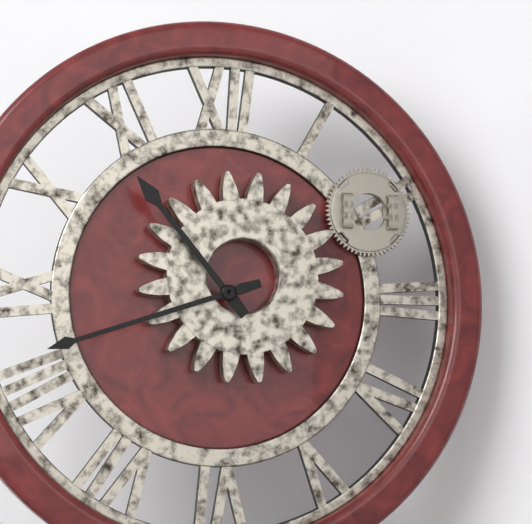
10:42
